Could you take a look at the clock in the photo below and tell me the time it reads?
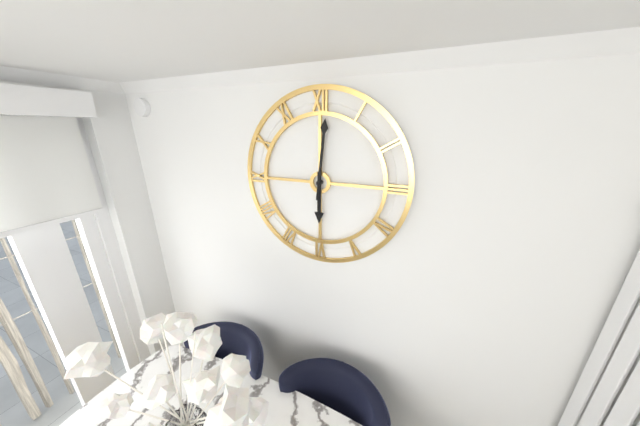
6:01
